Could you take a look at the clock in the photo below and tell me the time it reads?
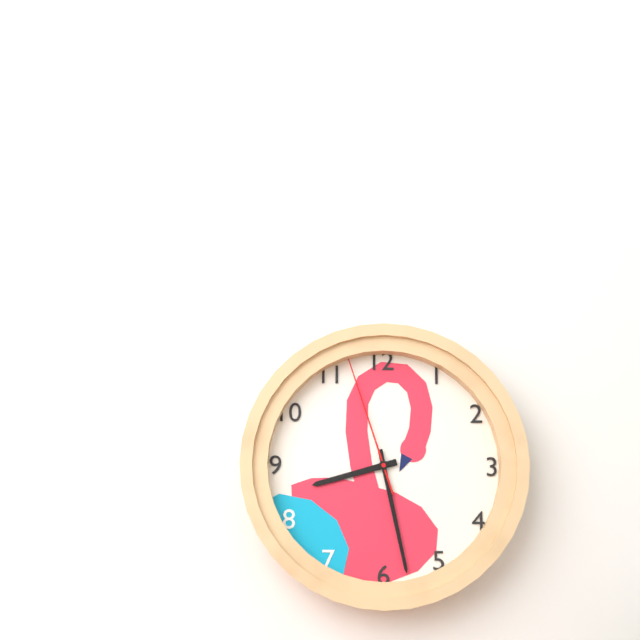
8:28:57
